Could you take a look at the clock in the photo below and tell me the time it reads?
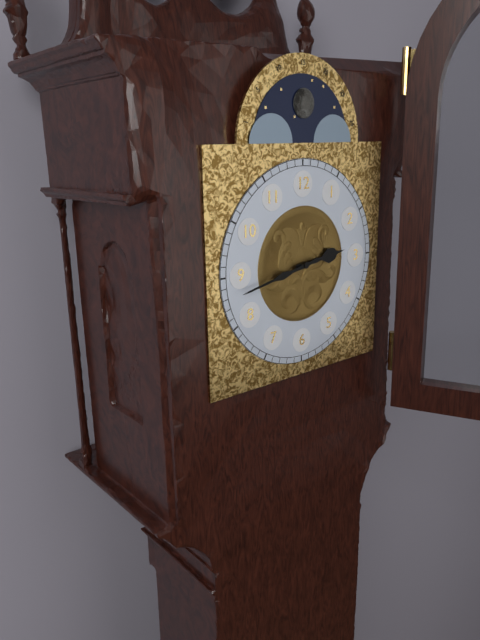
2:43
